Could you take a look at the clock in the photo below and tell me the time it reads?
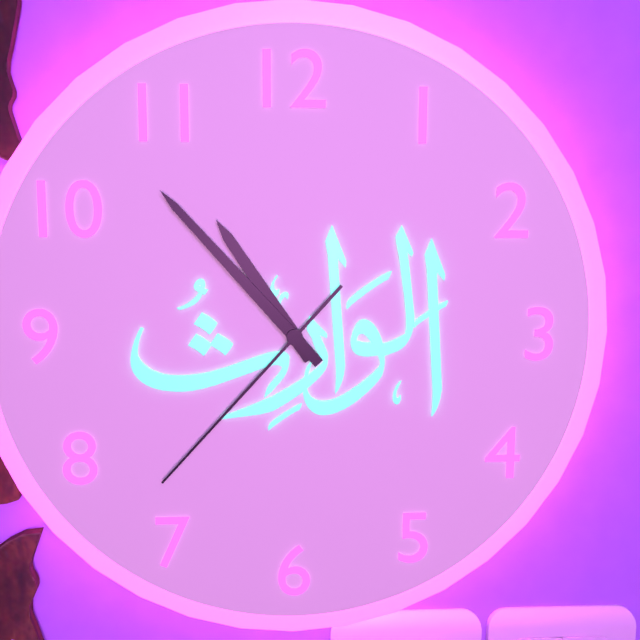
10:53:37
